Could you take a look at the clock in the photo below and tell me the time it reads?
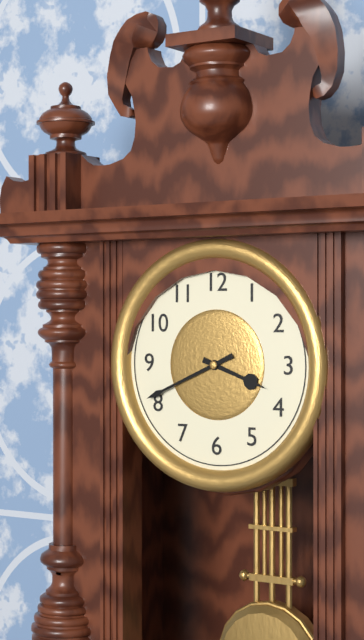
3:41
